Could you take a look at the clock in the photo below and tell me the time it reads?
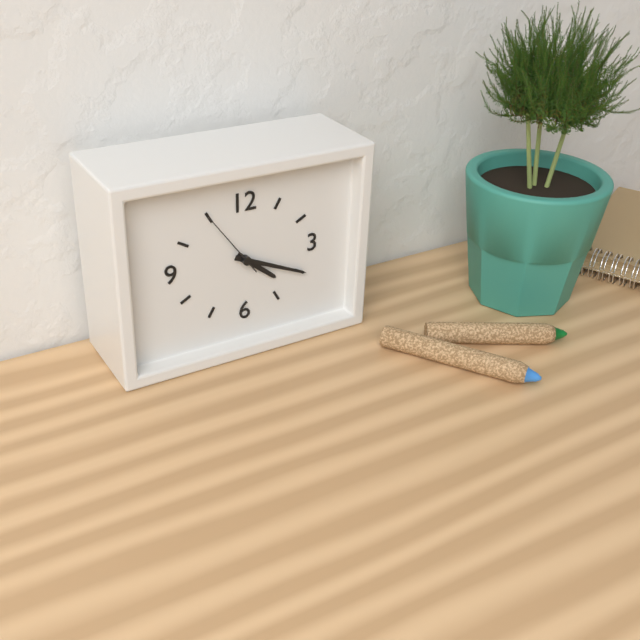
4:19:54
